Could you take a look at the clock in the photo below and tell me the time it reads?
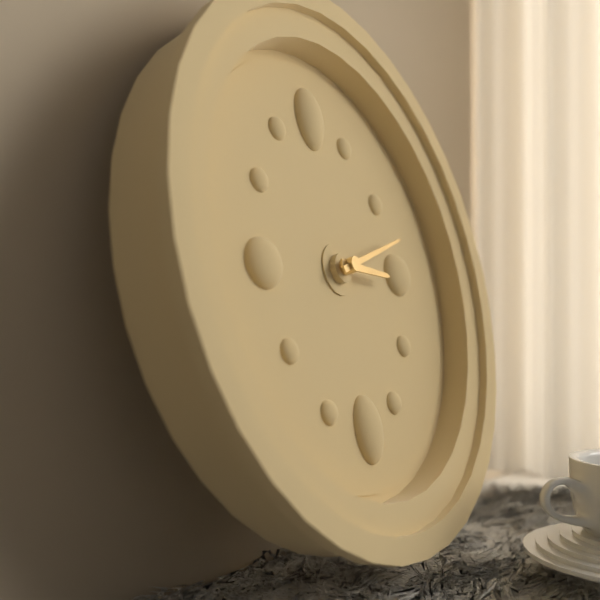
3:12
